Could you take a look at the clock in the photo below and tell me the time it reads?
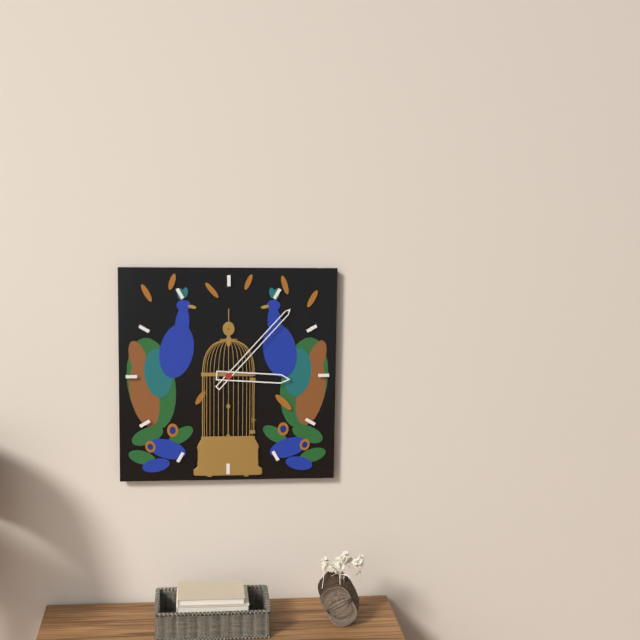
3:07
